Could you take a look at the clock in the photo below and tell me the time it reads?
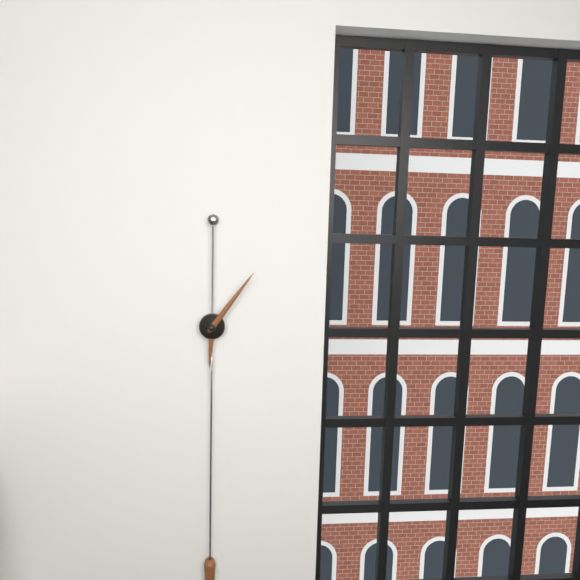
6:06
